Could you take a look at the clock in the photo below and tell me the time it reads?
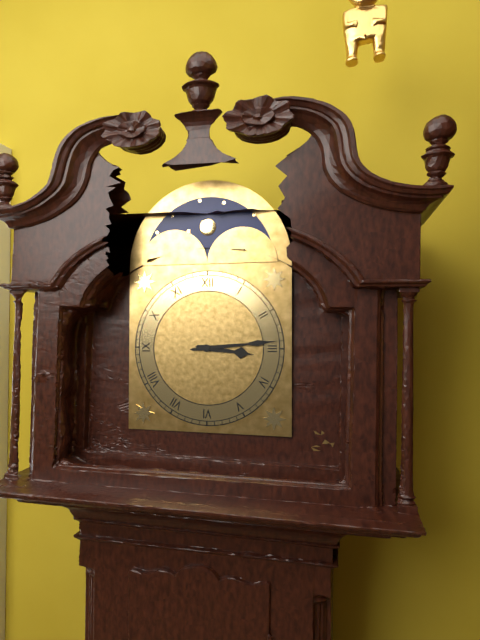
3:14
